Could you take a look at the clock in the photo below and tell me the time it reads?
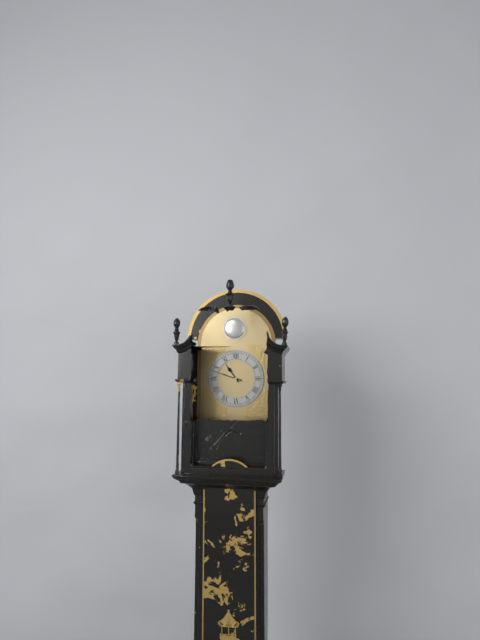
10:48
